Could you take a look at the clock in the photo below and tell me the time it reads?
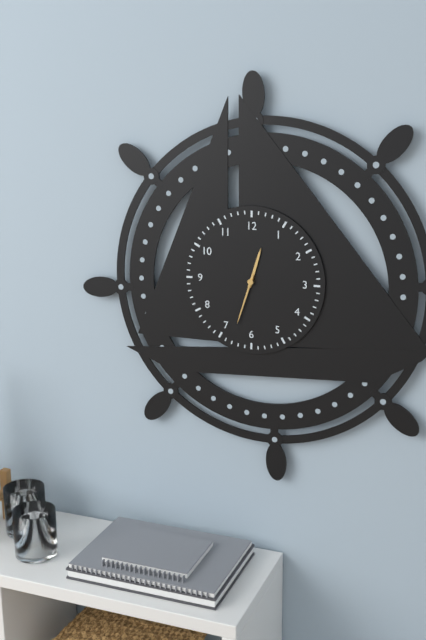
12:33
